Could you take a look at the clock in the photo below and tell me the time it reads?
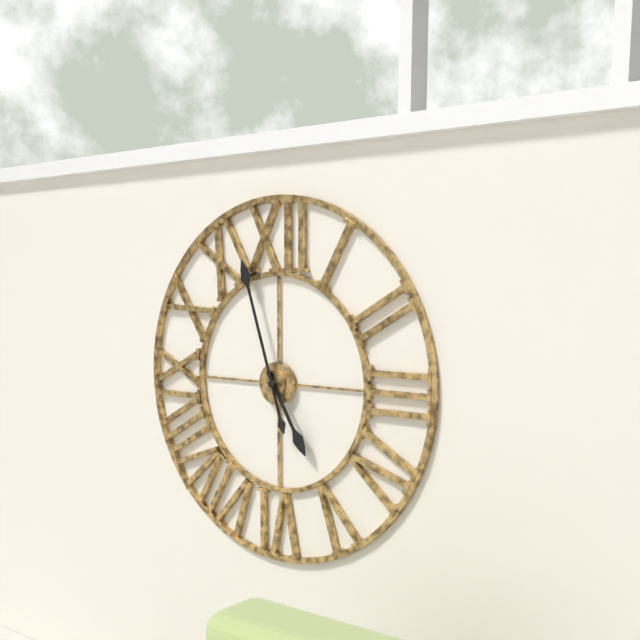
4:57
